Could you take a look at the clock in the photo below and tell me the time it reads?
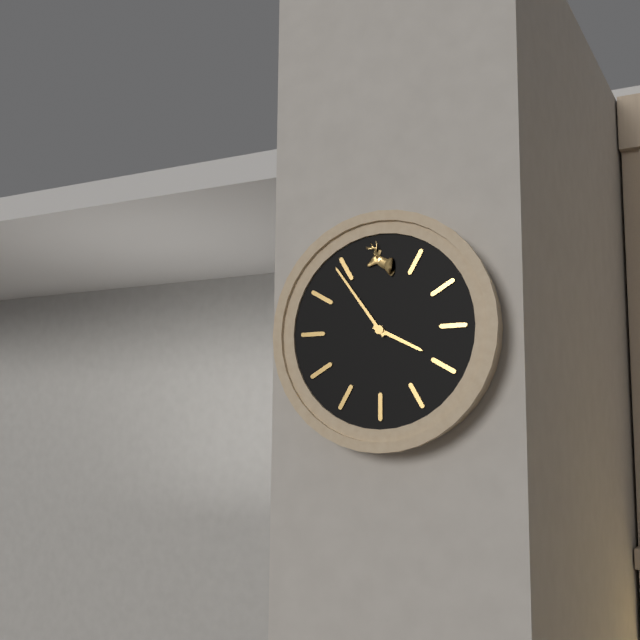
3:54
